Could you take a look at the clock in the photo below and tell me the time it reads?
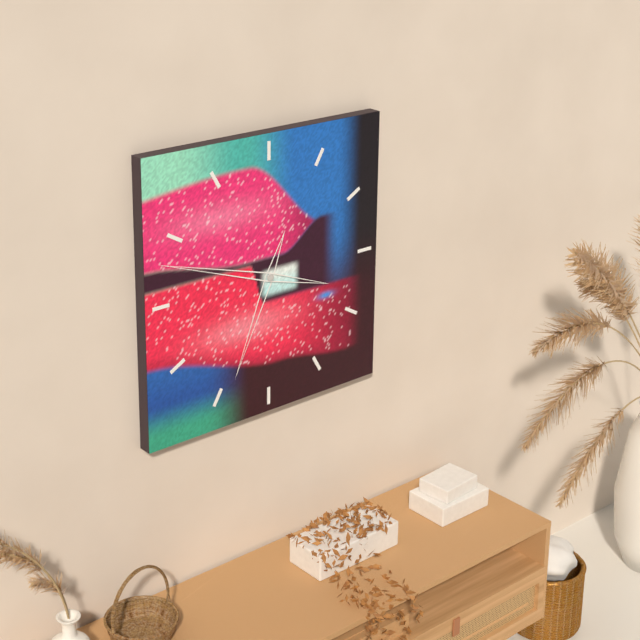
6:48
